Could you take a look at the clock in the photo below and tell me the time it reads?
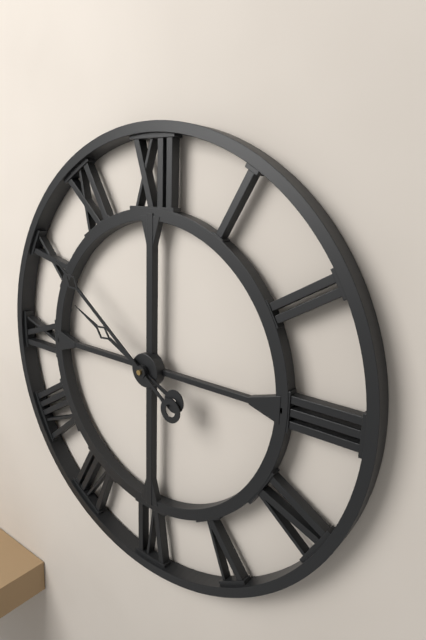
9:51
